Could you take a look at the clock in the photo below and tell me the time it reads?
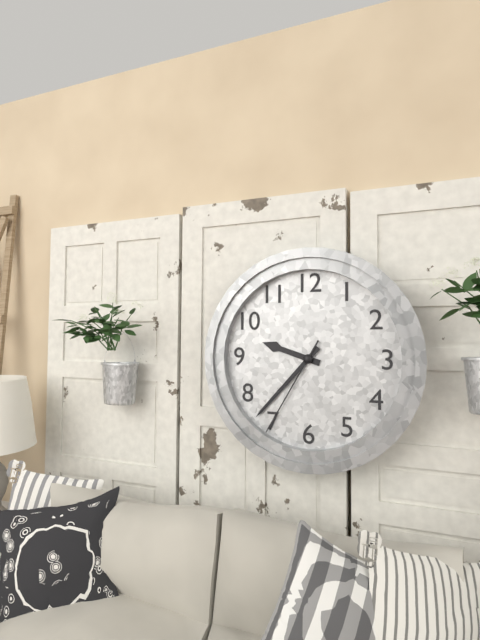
9:37:35
